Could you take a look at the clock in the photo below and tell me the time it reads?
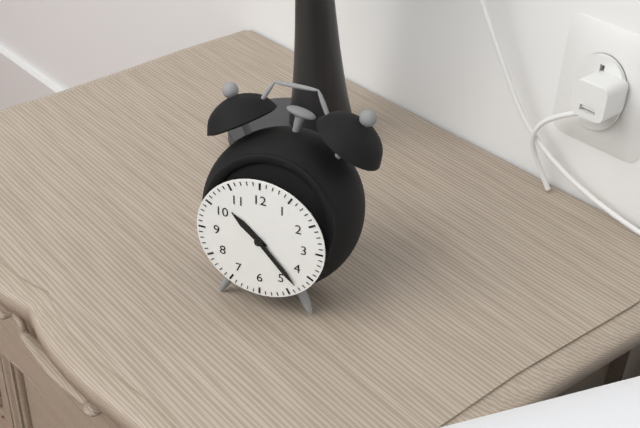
10:23
